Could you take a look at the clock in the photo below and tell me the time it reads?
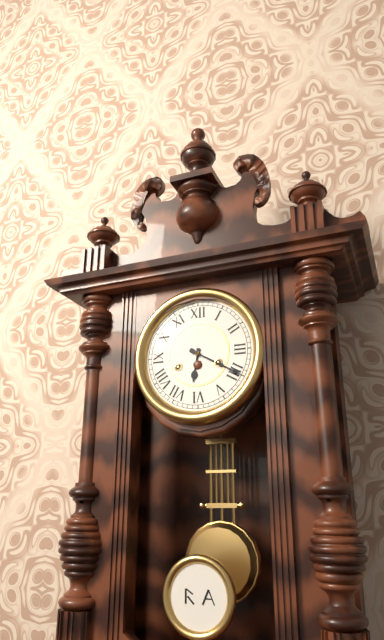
6:20
